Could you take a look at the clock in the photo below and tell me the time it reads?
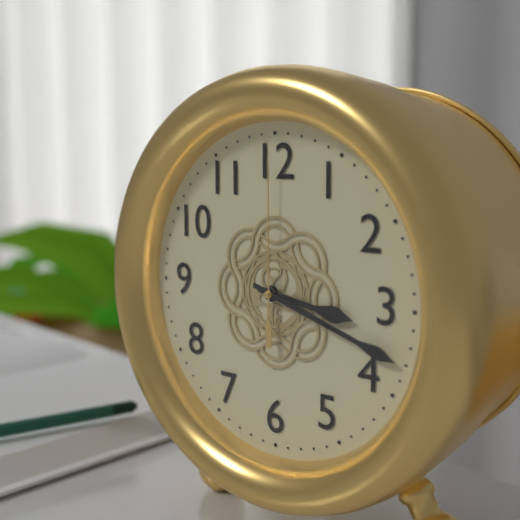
3:18:00
